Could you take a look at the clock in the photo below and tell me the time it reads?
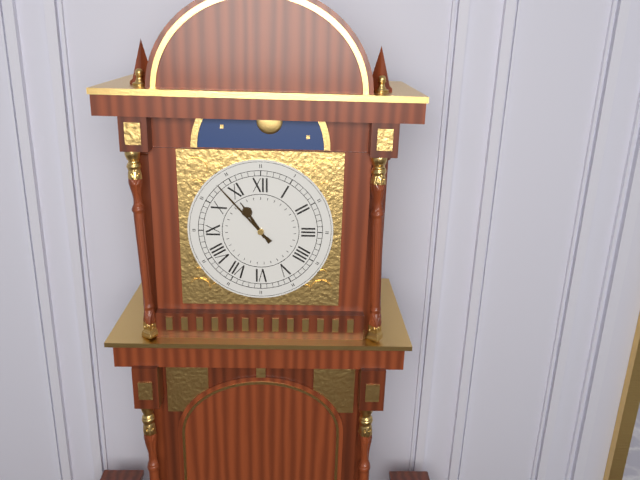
10:53
